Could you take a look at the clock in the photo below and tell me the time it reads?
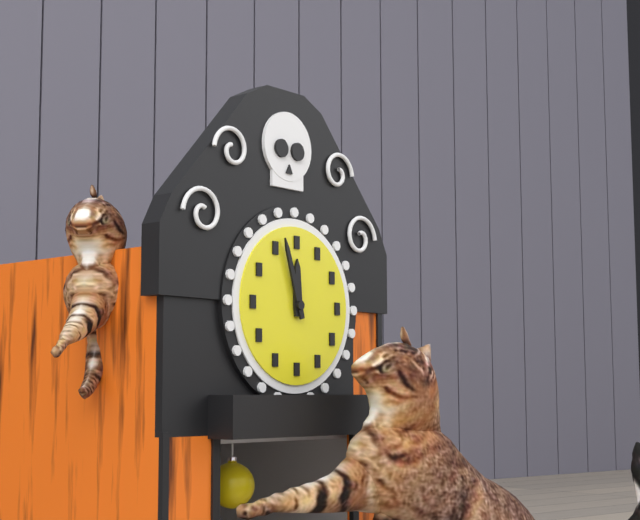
11:57
